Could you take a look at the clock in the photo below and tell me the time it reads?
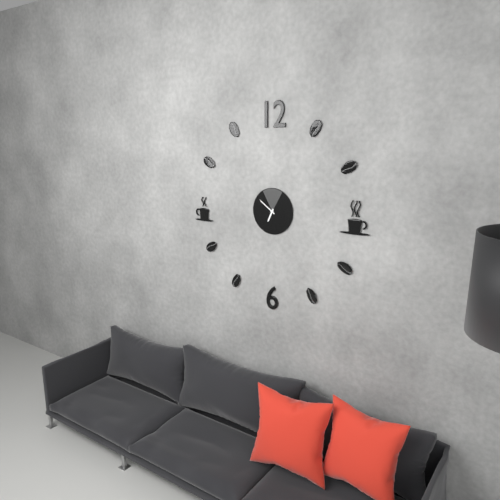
6:51
